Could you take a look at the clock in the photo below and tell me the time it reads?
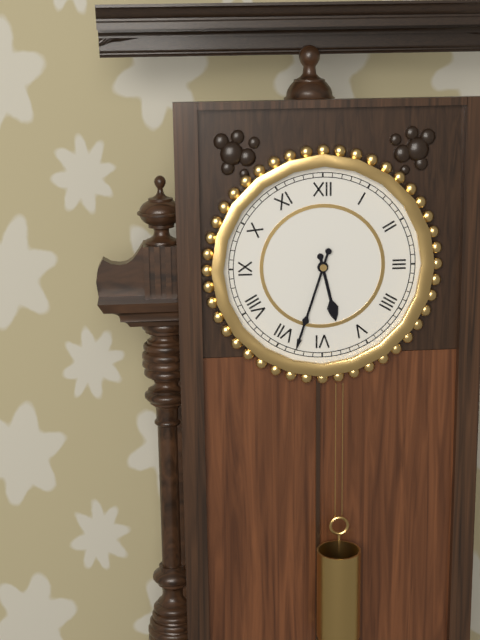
5:33
